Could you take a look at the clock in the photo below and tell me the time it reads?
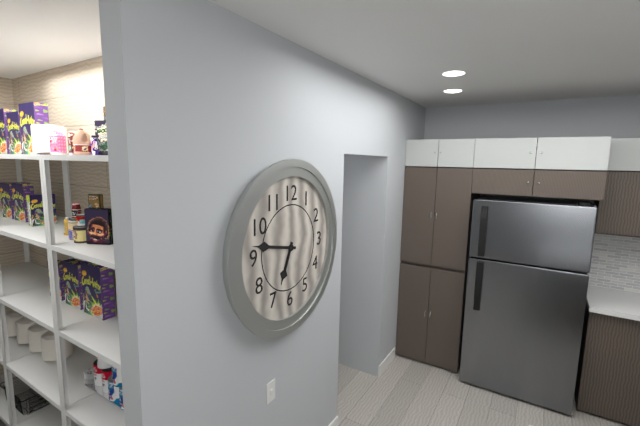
6:47
